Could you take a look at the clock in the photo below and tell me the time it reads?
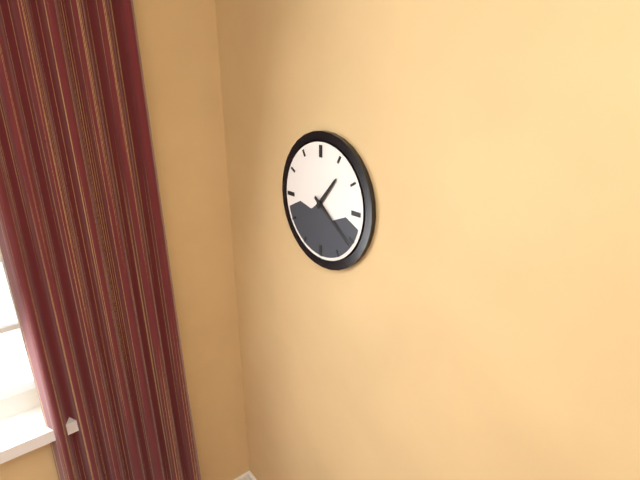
1:21
